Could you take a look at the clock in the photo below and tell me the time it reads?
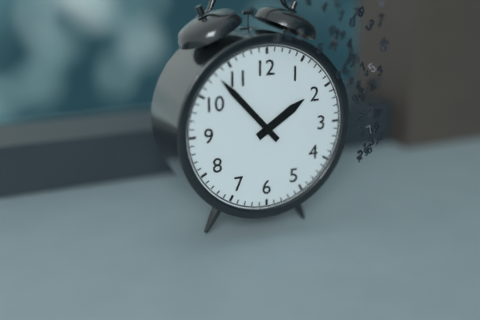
1:53
